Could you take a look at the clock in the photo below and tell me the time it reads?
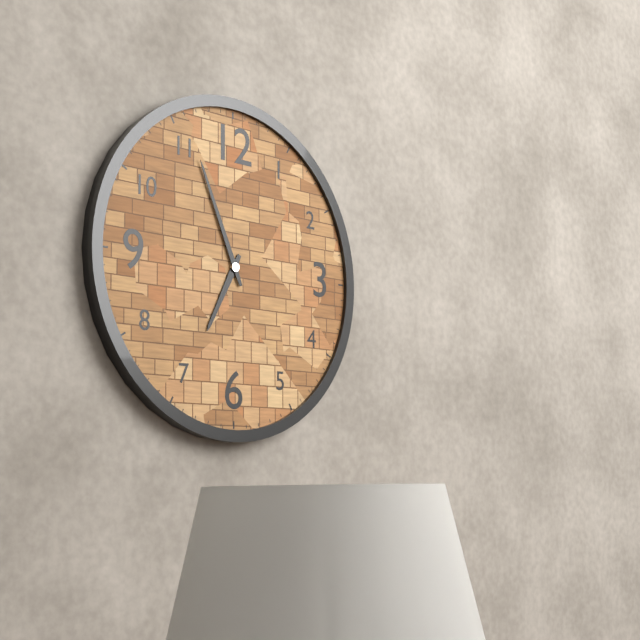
6:56
